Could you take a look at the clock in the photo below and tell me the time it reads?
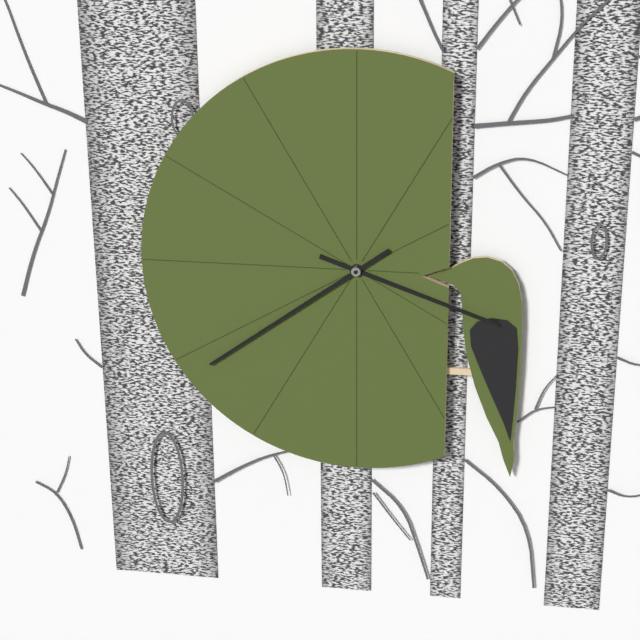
3:39
